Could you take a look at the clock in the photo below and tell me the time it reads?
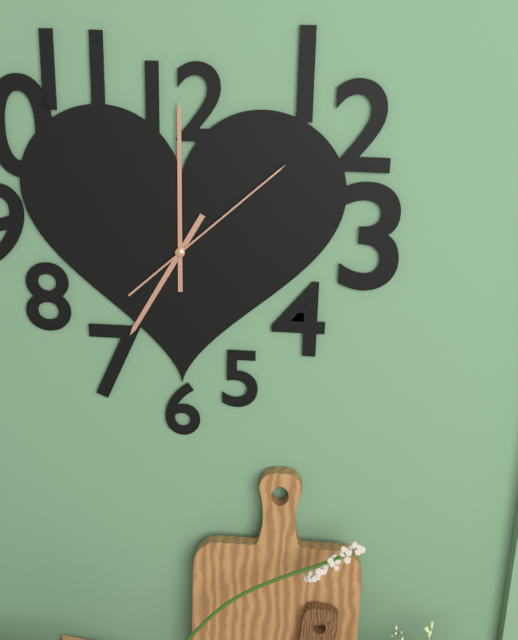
7:00:08
